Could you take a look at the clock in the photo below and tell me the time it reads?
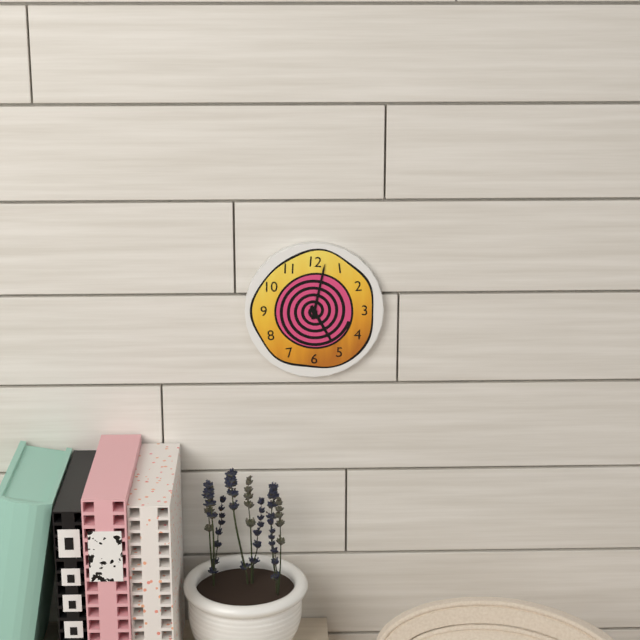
5:02
